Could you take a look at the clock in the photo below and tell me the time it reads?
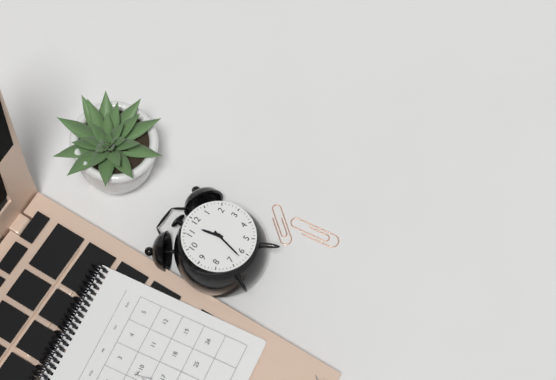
11:32
